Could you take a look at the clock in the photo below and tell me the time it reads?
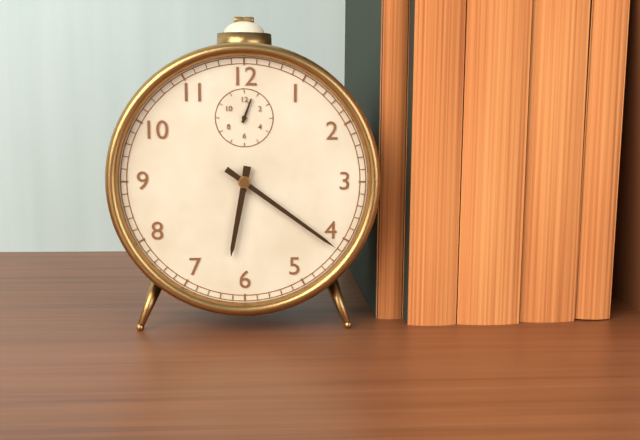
6:21
